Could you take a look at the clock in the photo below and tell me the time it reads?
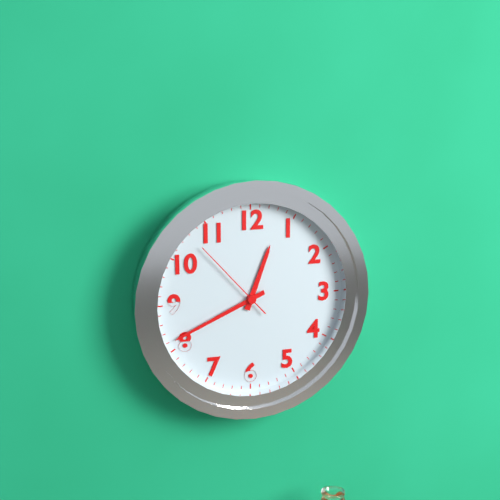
12:41:53
